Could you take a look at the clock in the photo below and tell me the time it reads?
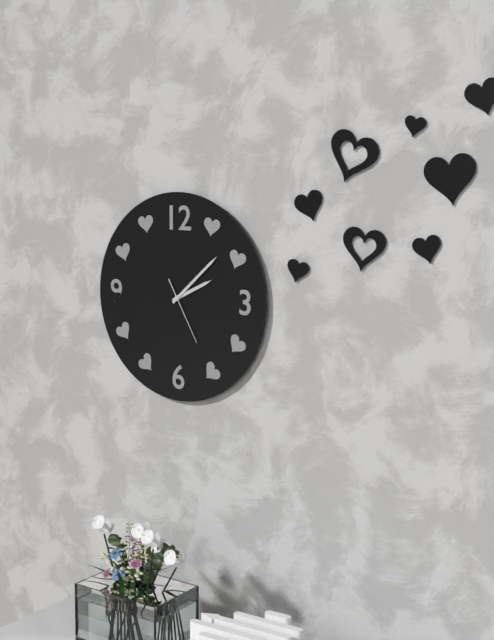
2:08:25
